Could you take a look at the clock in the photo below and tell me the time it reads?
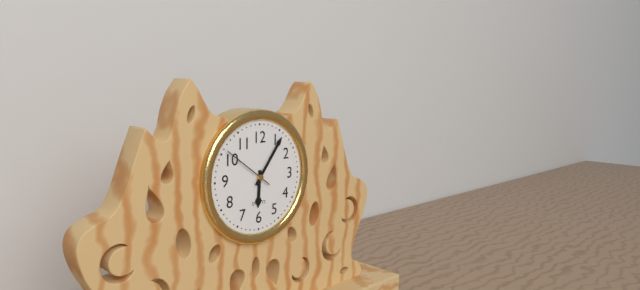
6:06
